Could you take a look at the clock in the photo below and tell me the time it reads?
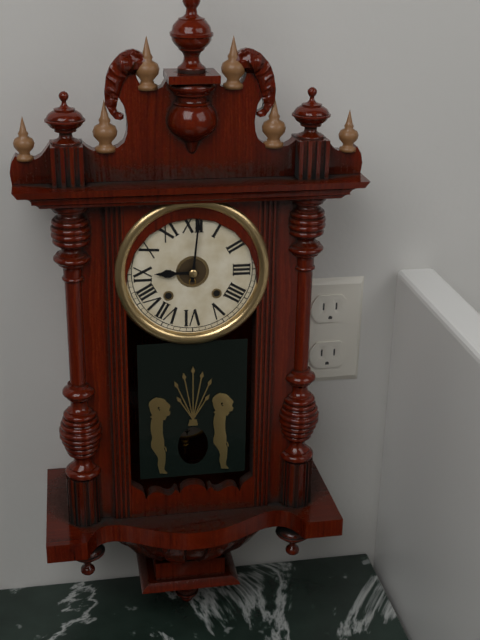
9:01
